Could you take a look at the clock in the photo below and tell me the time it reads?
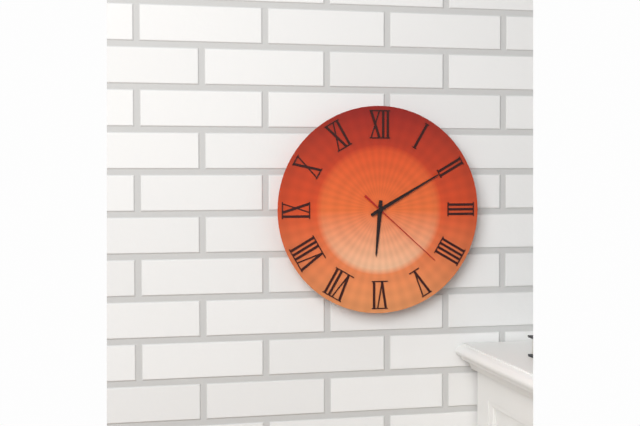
6:10:22
